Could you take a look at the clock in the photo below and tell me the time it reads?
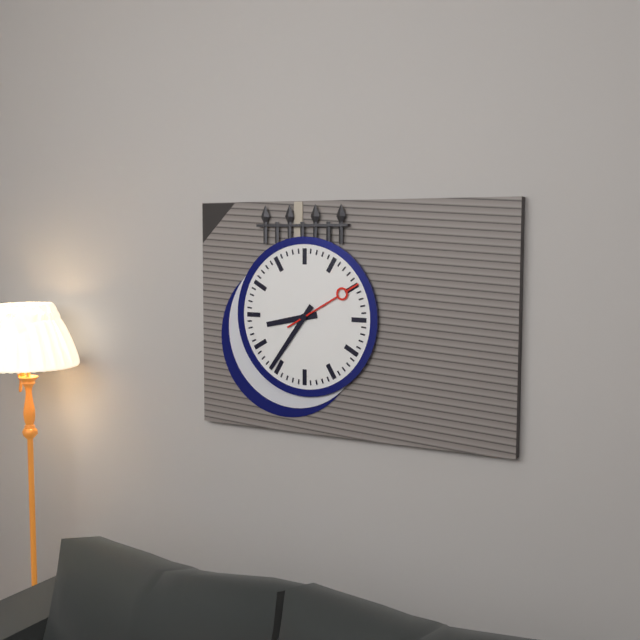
8:36:10
